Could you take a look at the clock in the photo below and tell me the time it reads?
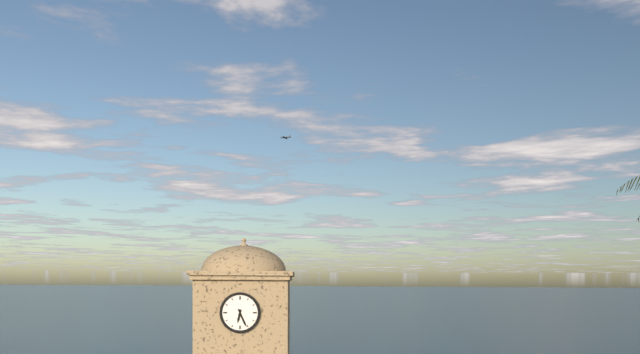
6:26
